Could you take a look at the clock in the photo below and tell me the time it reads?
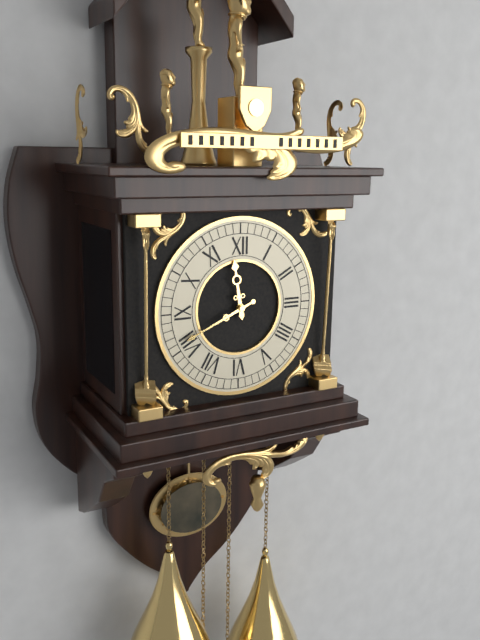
11:41
